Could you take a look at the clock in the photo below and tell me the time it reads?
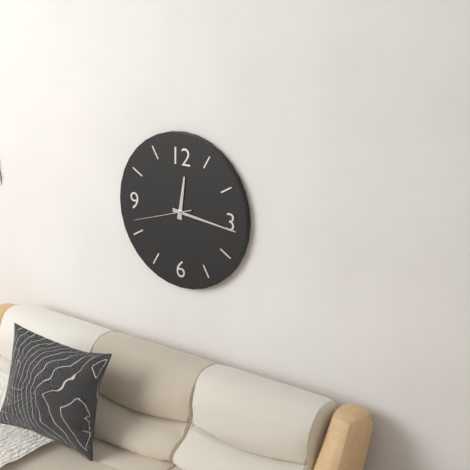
12:16:42
